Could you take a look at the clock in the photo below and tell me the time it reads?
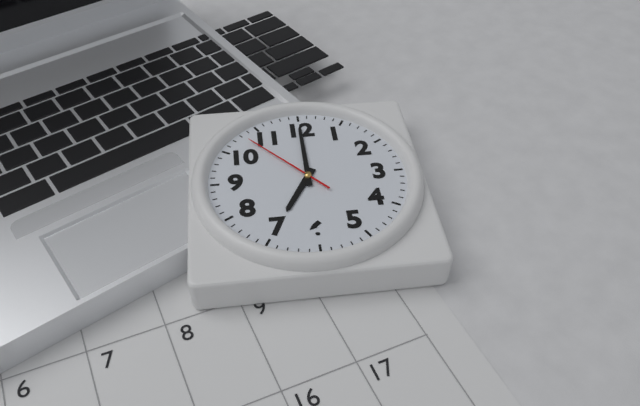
7:00:53
